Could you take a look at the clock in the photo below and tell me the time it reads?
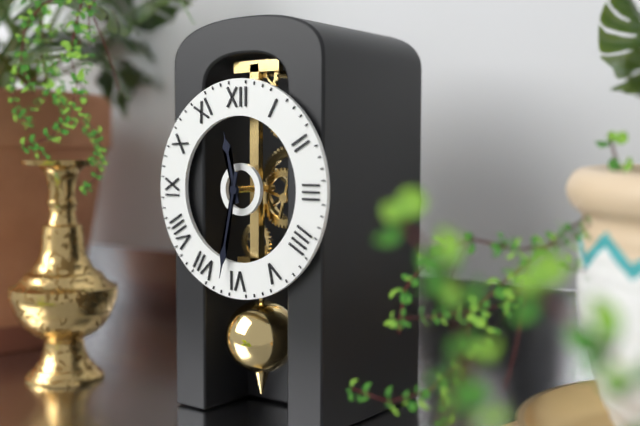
11:32
